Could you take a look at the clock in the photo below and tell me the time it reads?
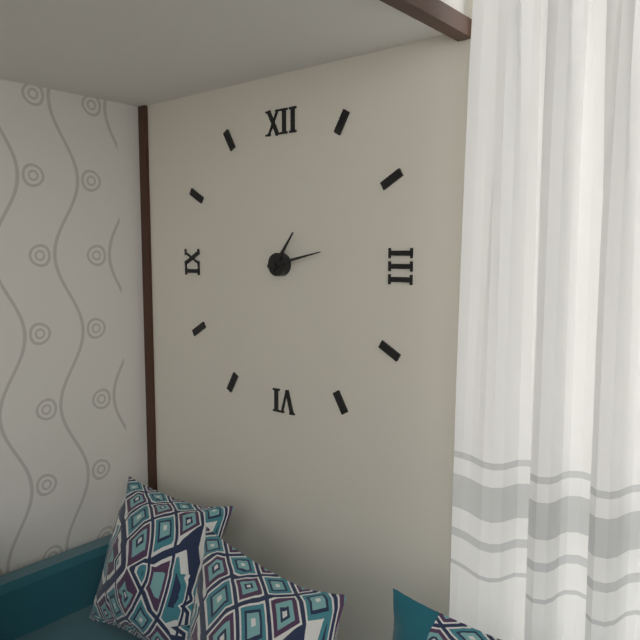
1:13
